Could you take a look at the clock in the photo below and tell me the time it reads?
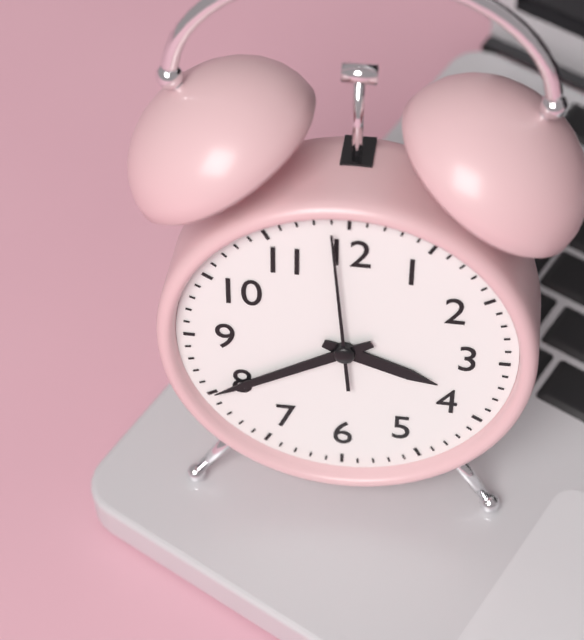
3:40:59
